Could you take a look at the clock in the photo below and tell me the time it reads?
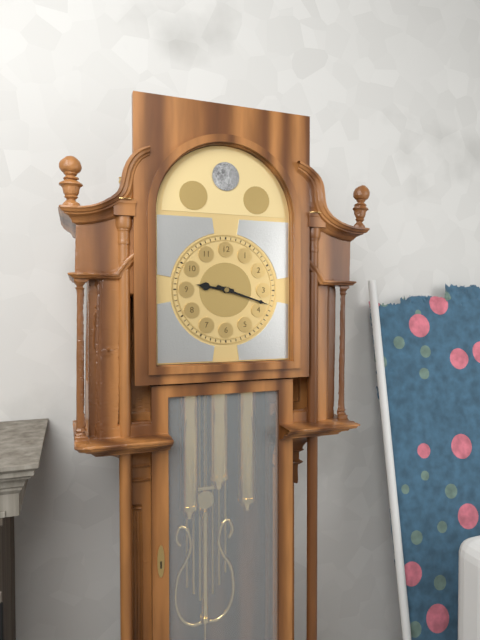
9:18
